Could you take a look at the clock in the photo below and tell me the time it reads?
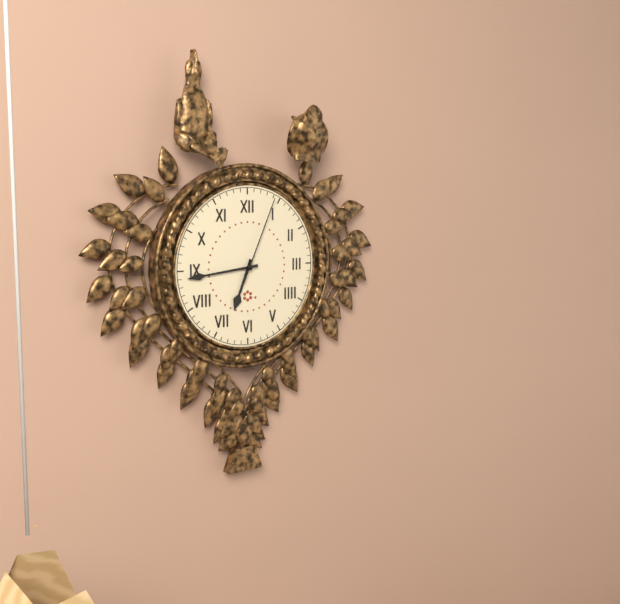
6:44:04
